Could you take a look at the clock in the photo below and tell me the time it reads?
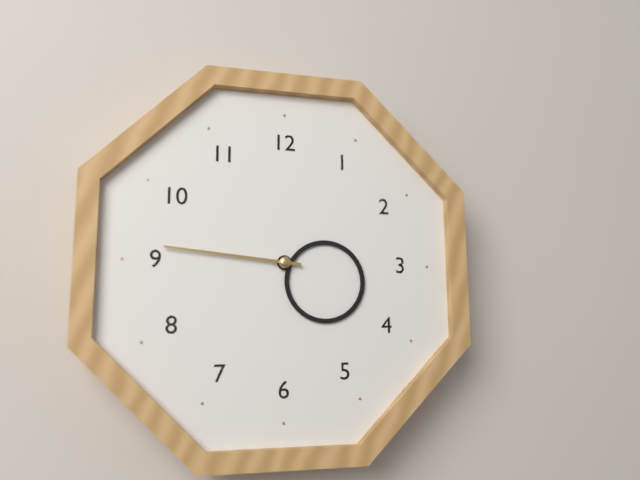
3:46
